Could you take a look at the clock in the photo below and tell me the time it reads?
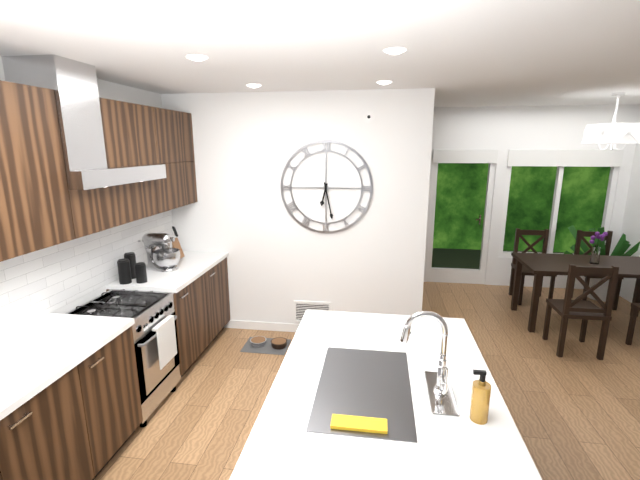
6:28
